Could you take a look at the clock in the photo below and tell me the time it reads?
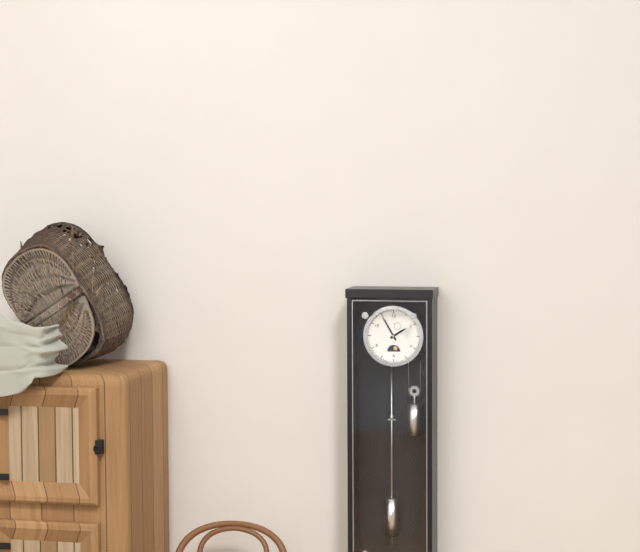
1:55
